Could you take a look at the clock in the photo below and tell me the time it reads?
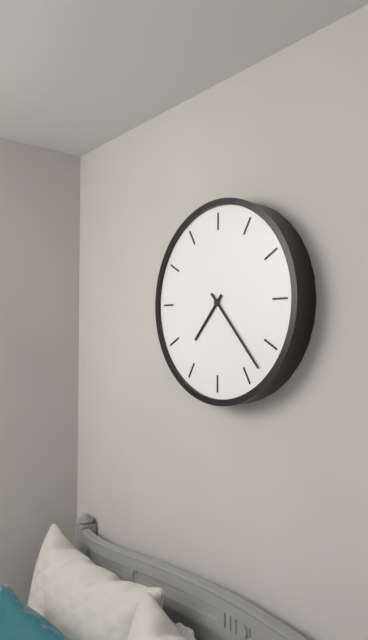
7:23
